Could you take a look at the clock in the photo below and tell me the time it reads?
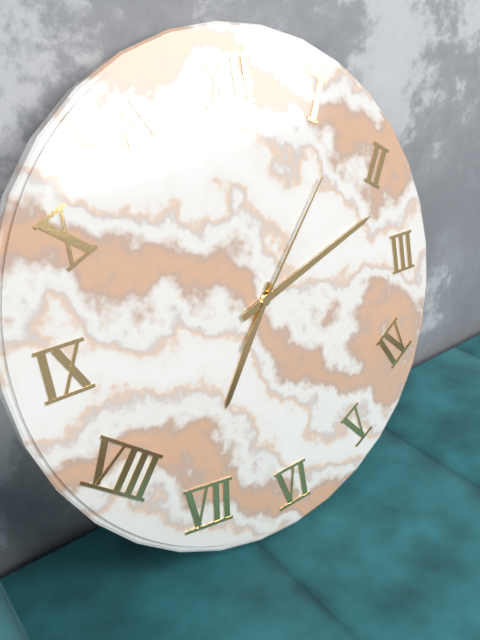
7:12:07
